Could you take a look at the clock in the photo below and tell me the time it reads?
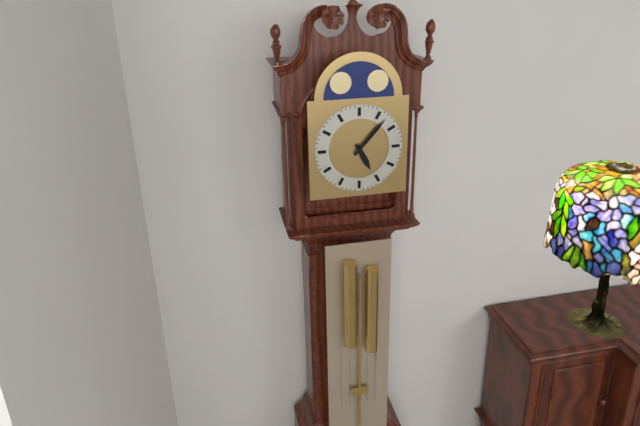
5:07
